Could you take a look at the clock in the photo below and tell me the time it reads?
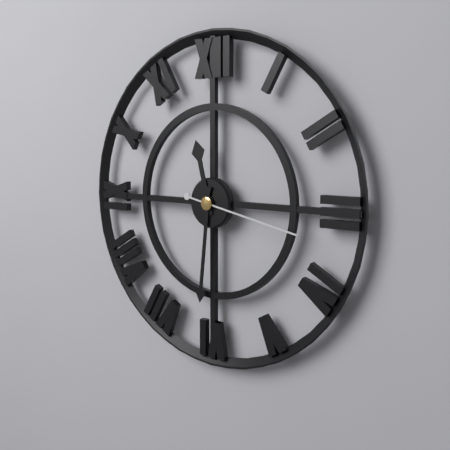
11:31:17
